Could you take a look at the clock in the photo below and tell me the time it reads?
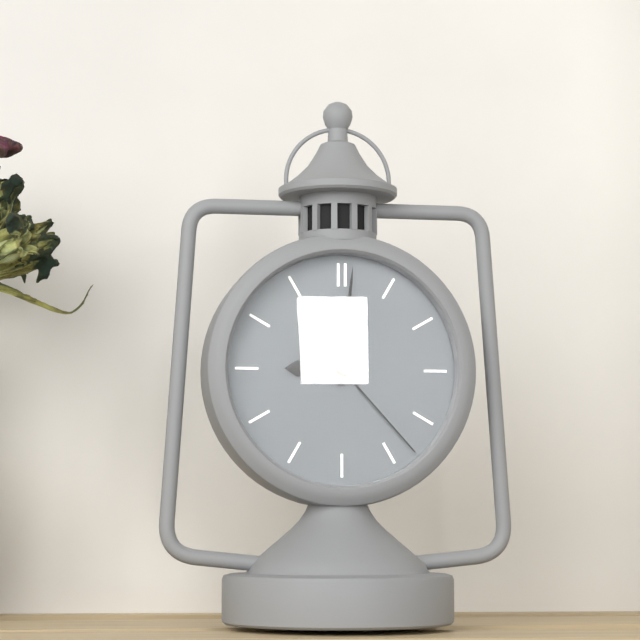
9:01:23
